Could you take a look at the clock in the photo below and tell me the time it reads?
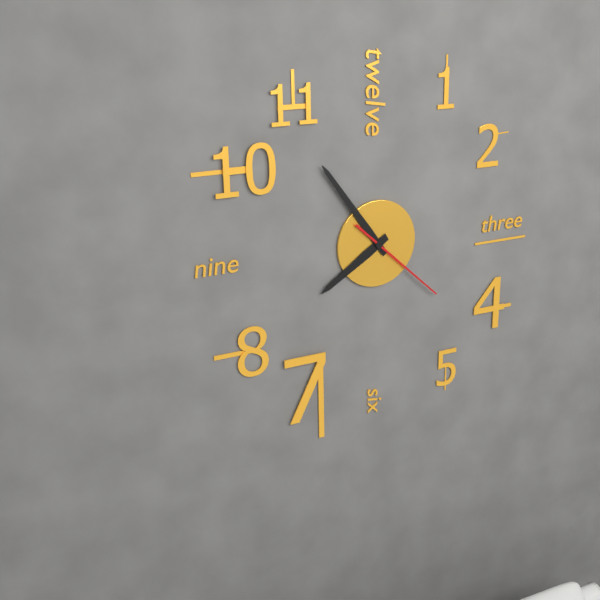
7:54:22
